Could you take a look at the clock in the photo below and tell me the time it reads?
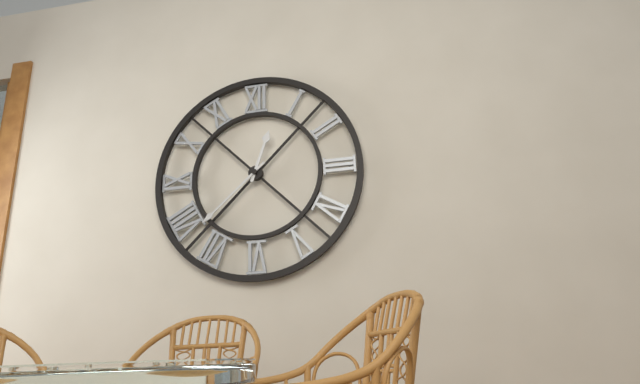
12:38
